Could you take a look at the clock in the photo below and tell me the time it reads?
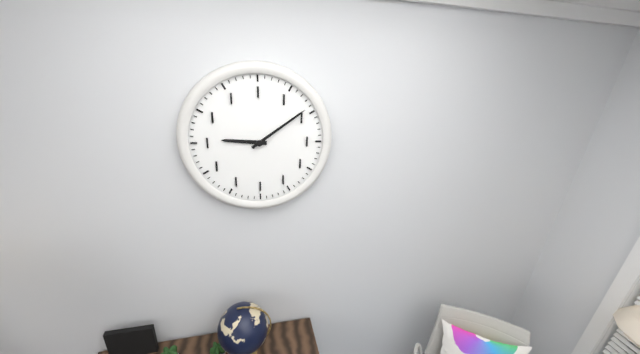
9:09
